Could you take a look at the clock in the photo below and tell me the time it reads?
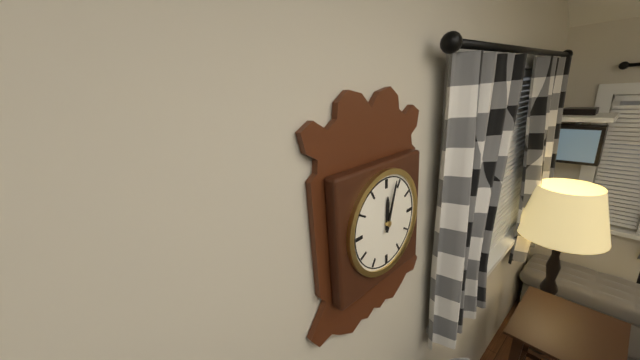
12:03
